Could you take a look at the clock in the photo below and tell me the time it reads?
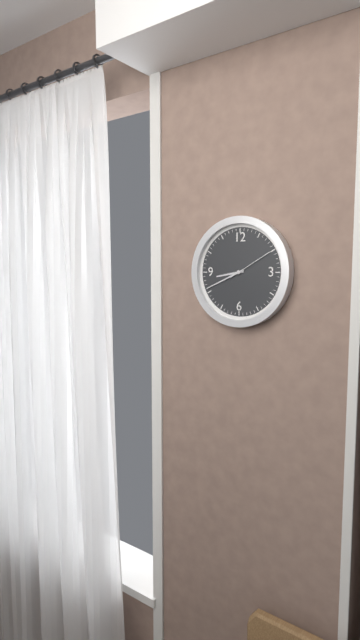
8:41
